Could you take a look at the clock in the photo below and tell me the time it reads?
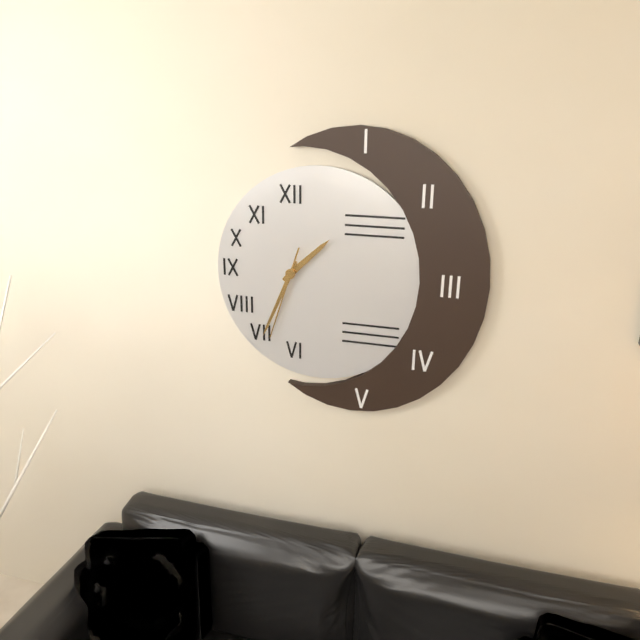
1:34:33
